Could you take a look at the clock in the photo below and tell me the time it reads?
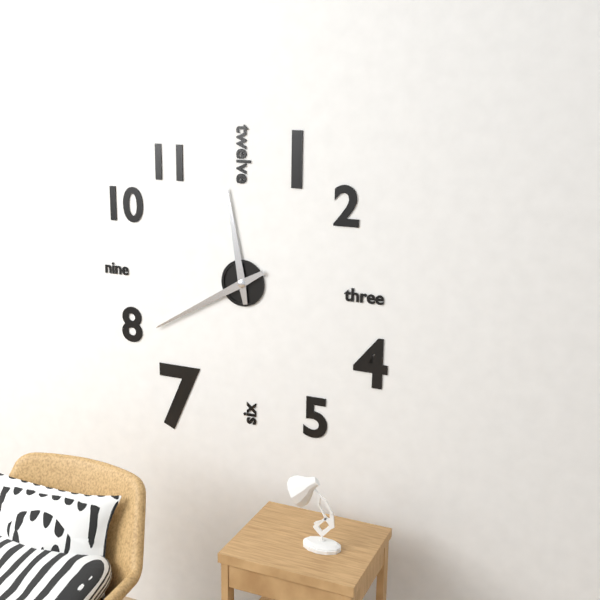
11:40
